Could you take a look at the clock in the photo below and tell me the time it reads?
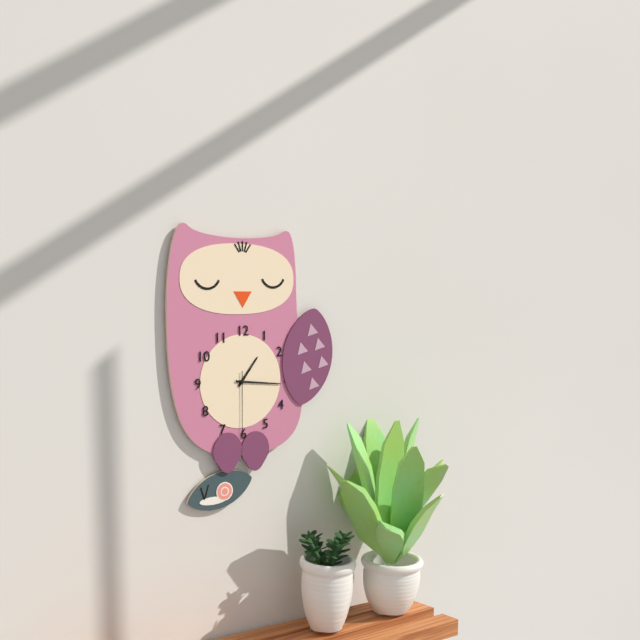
1:16:30
